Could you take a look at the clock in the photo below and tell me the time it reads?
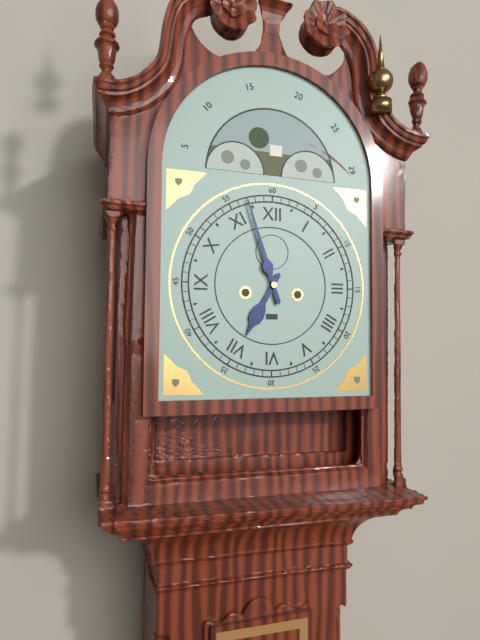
6:57
